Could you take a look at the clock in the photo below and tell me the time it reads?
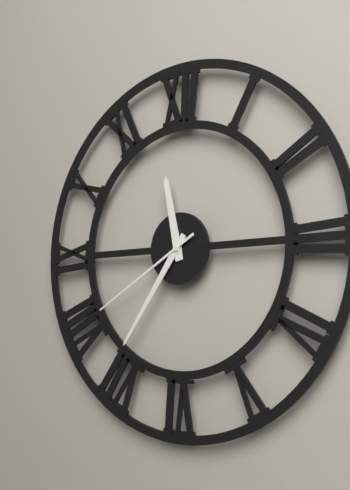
11:36:40
